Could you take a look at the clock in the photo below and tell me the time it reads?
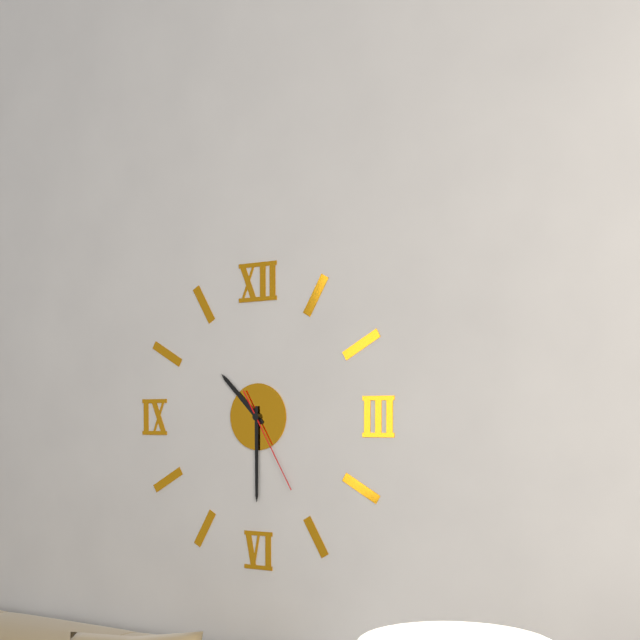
10:30:25
